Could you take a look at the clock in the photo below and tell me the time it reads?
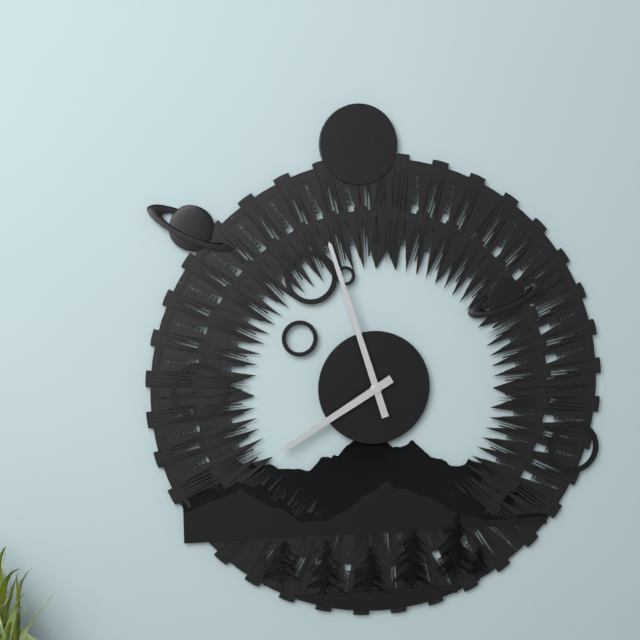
7:57
